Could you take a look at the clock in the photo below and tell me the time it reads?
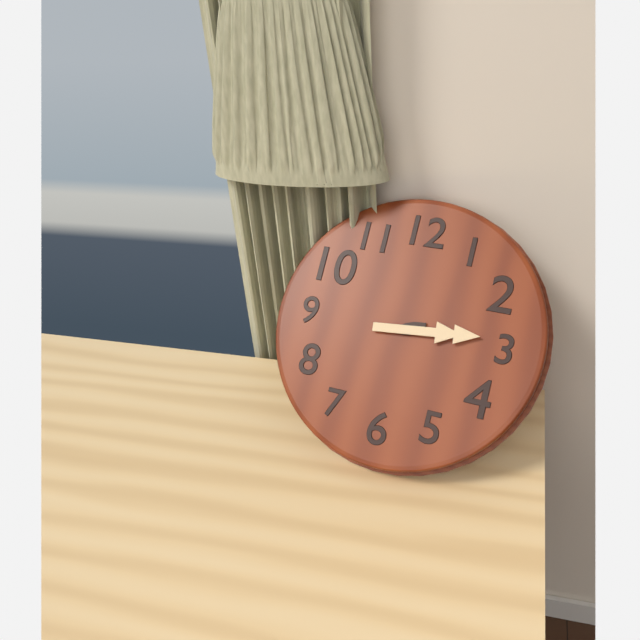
2:14
